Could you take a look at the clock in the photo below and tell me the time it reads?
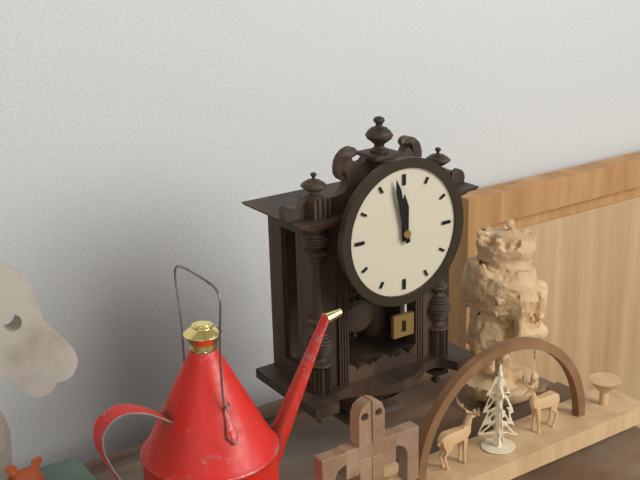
11:58
